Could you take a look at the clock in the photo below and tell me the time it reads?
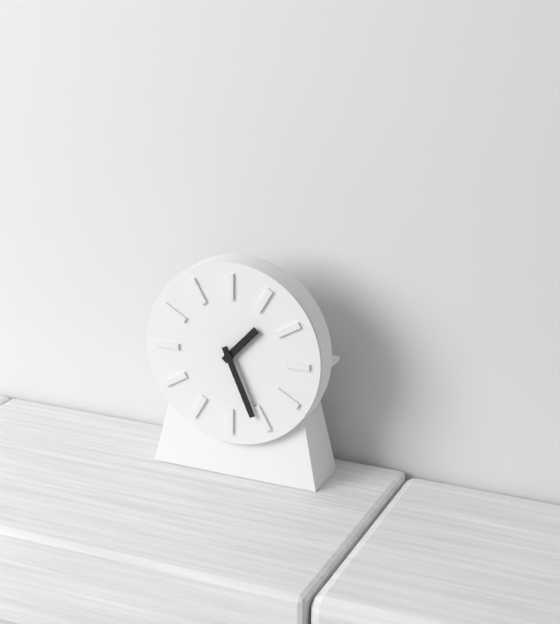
1:26
